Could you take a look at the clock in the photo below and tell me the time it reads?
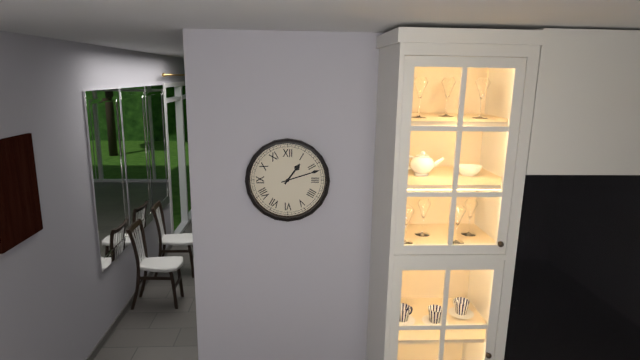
1:12
